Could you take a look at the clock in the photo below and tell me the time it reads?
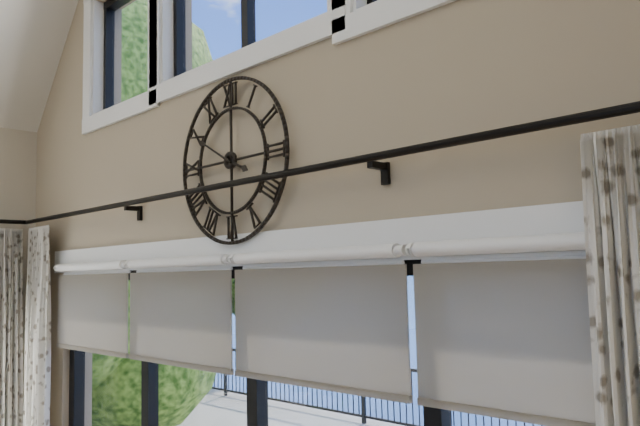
3:50
